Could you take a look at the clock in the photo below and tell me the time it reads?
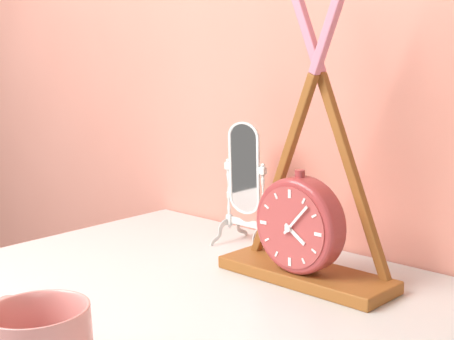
4:07
